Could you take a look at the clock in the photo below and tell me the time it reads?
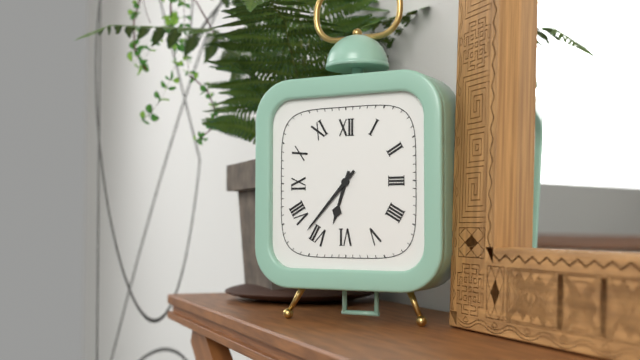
6:37
